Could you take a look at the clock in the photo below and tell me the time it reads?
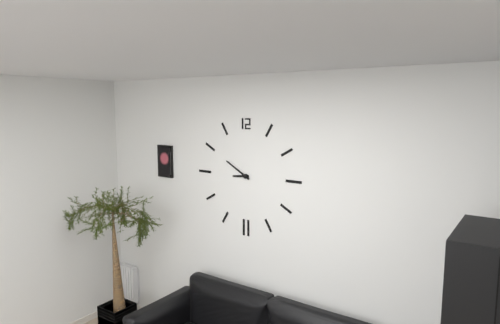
8:50
